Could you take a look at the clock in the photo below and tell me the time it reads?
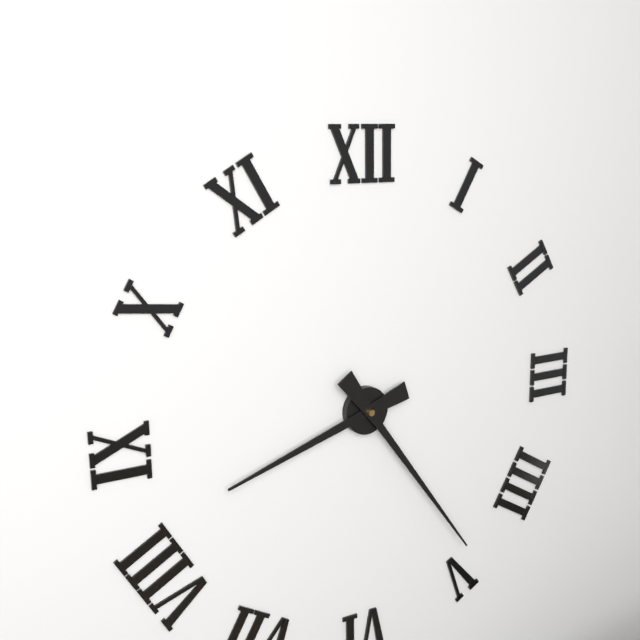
8:24
